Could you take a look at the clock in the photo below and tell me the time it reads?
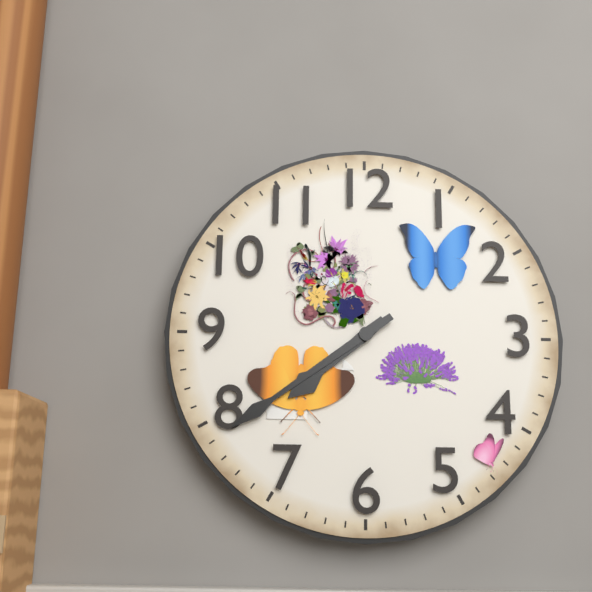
7:39
